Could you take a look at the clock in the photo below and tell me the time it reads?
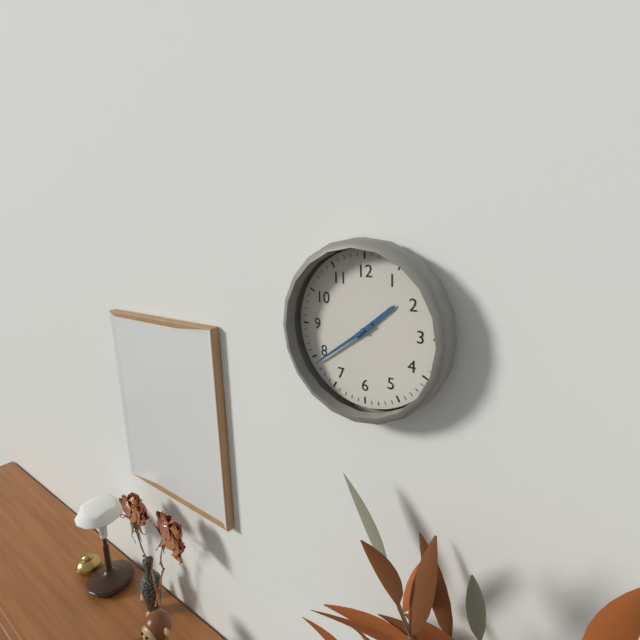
1:39
